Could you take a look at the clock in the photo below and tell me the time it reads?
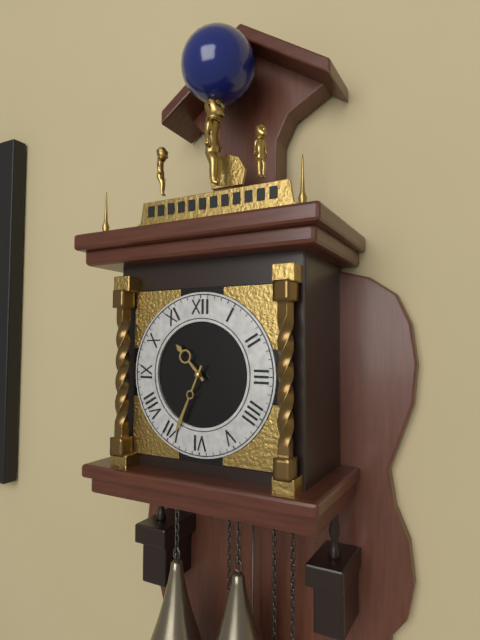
10:34
